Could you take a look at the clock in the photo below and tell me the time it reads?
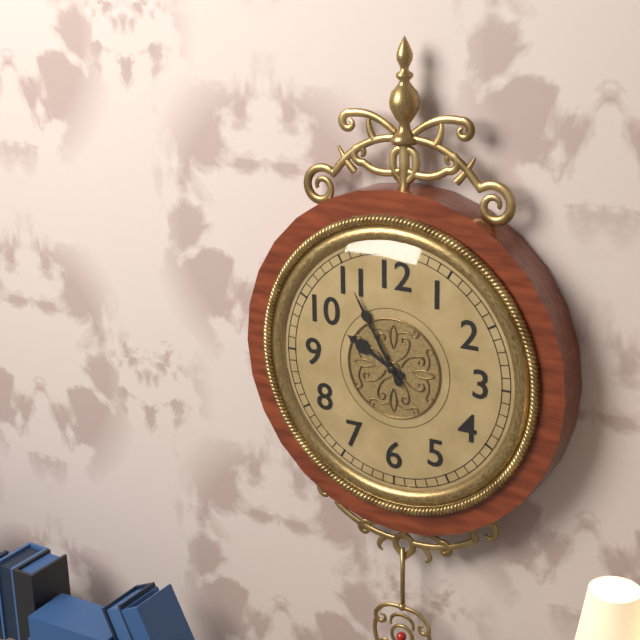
9:55
